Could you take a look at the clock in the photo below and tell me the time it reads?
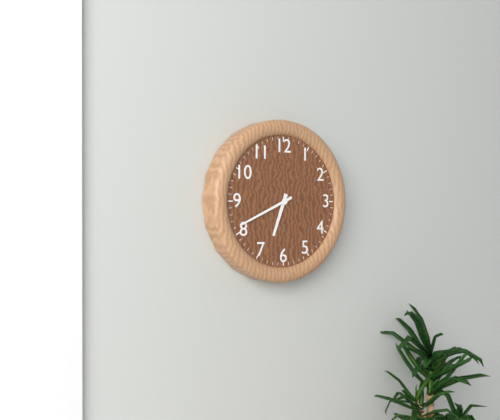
6:41
